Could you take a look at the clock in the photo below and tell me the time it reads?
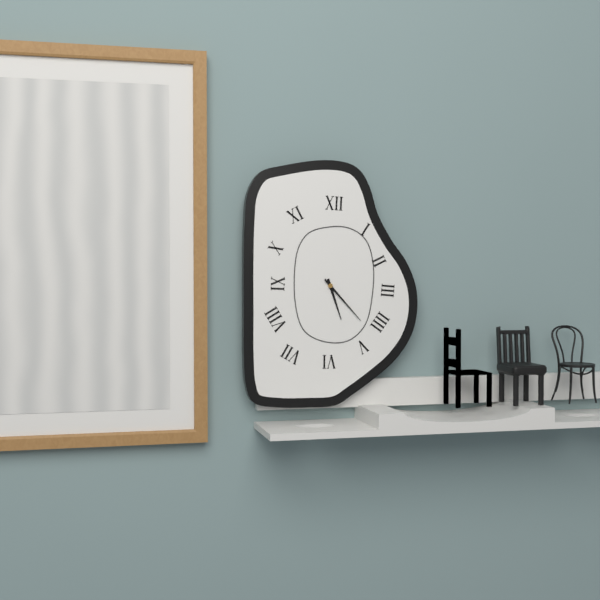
5:23
